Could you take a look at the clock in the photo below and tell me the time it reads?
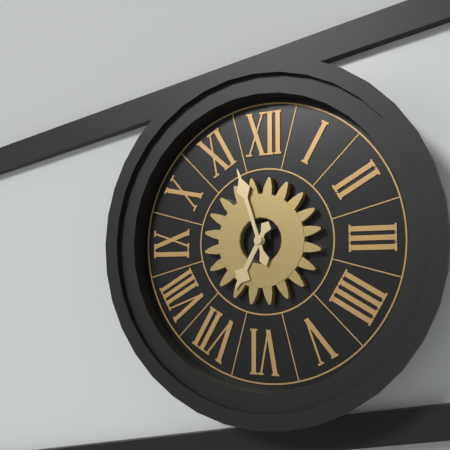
6:57
